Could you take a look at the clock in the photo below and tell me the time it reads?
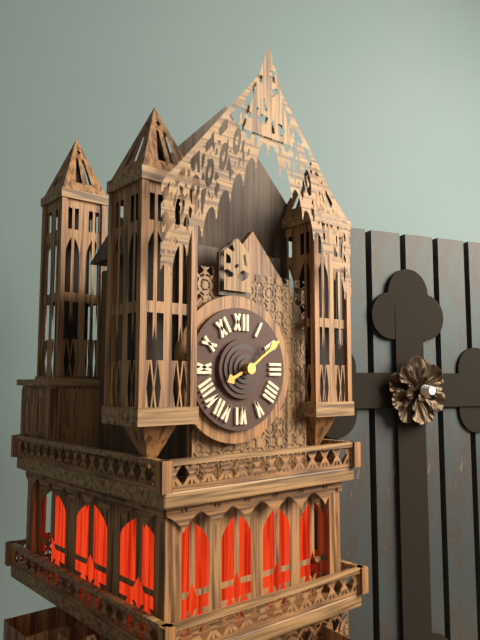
8:09
